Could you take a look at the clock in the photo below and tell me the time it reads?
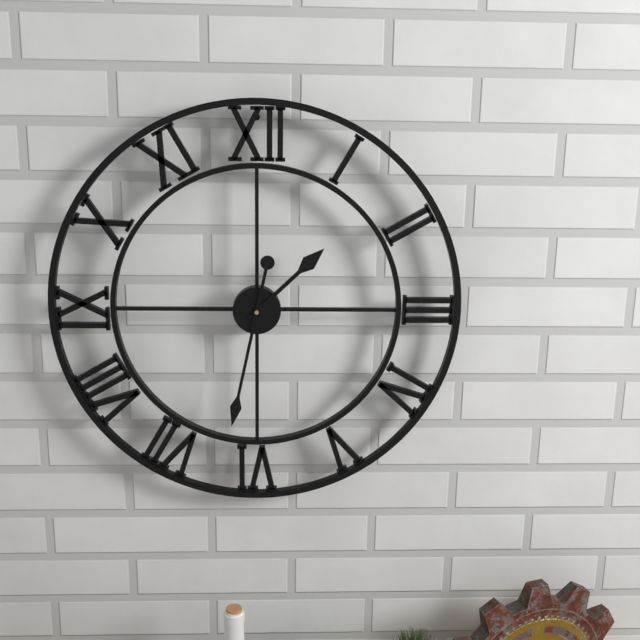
1:32
